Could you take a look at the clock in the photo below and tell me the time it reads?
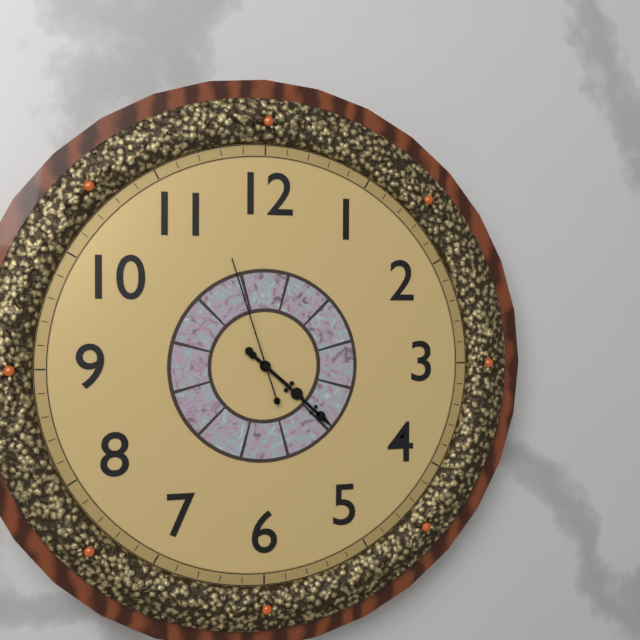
4:22:57
